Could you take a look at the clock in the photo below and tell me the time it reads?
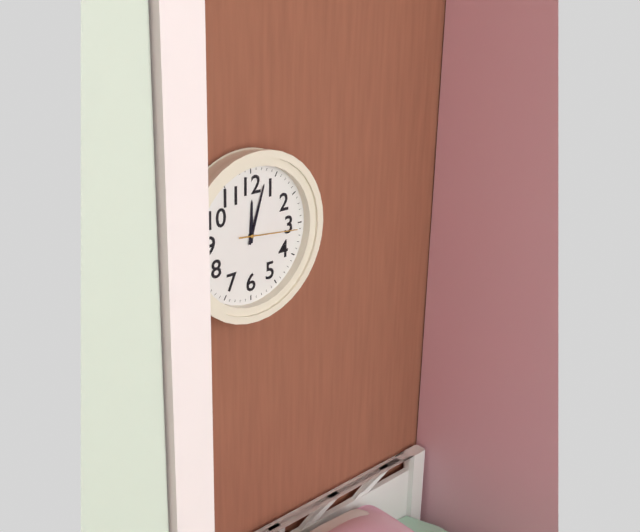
12:03:16
